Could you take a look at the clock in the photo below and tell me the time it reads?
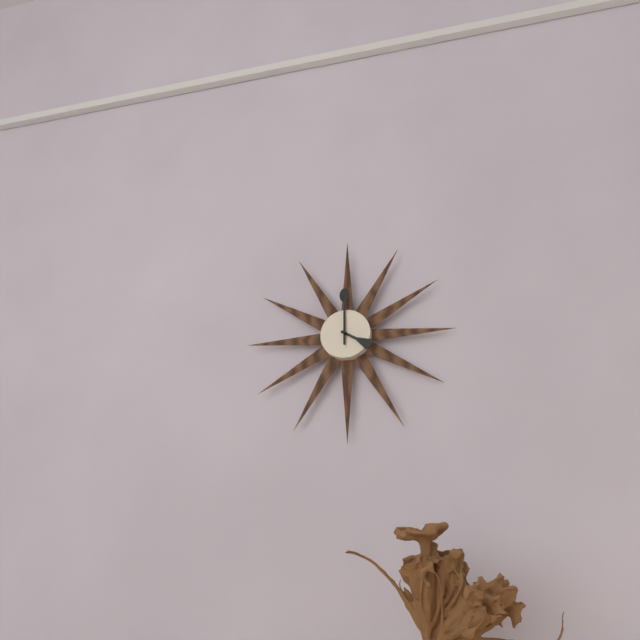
4:00
